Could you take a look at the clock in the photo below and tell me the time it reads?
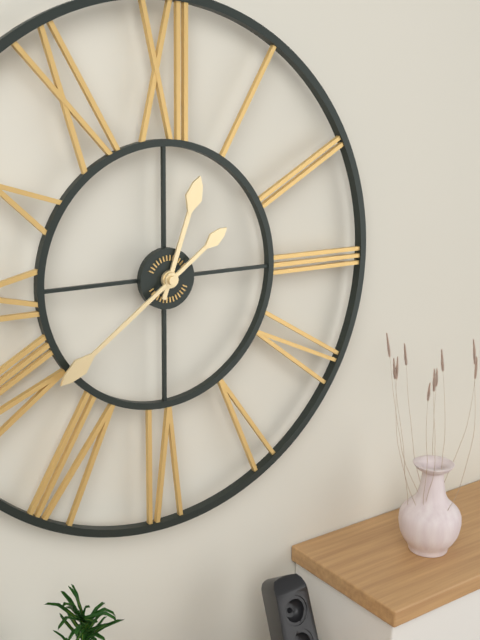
12:39
